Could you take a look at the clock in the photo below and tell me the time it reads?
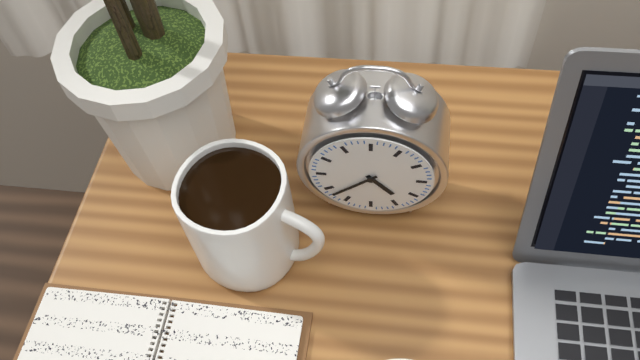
4:38
